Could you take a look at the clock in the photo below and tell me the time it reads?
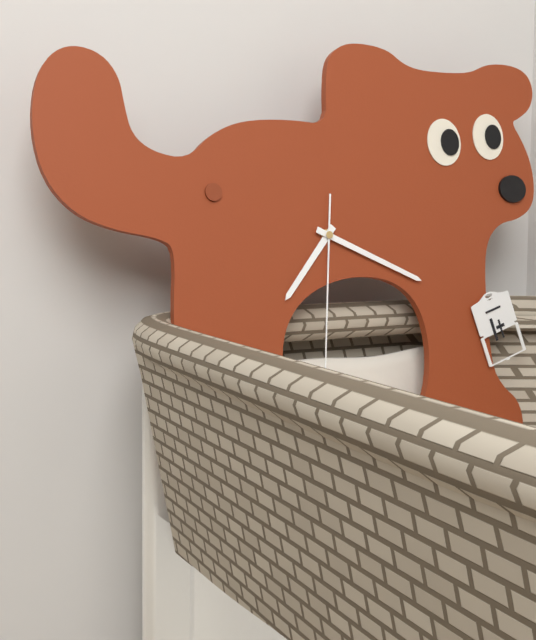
7:19:31
